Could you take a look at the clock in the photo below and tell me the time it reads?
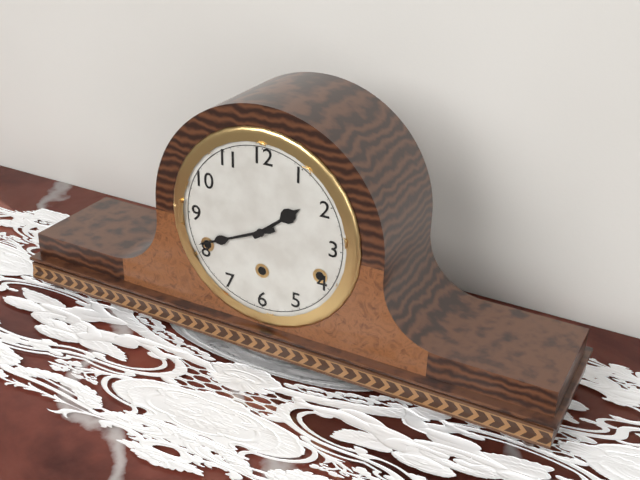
1:41
